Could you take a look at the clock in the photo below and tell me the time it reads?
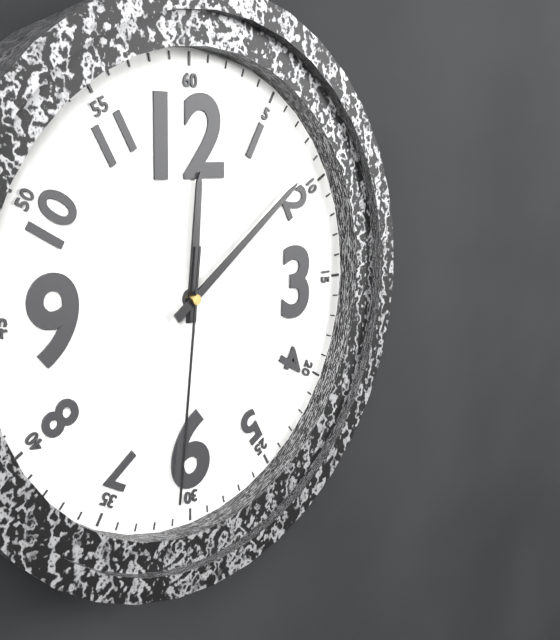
12:09:31
